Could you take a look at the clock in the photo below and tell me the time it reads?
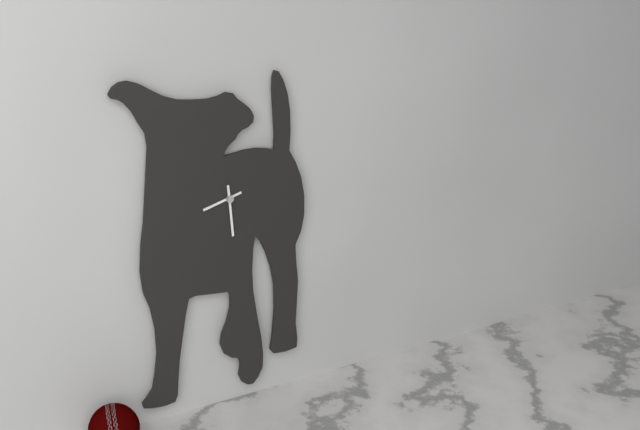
8:29
